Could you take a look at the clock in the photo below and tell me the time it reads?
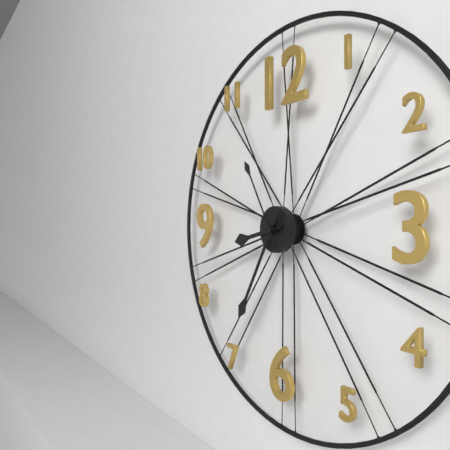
8:35:55
